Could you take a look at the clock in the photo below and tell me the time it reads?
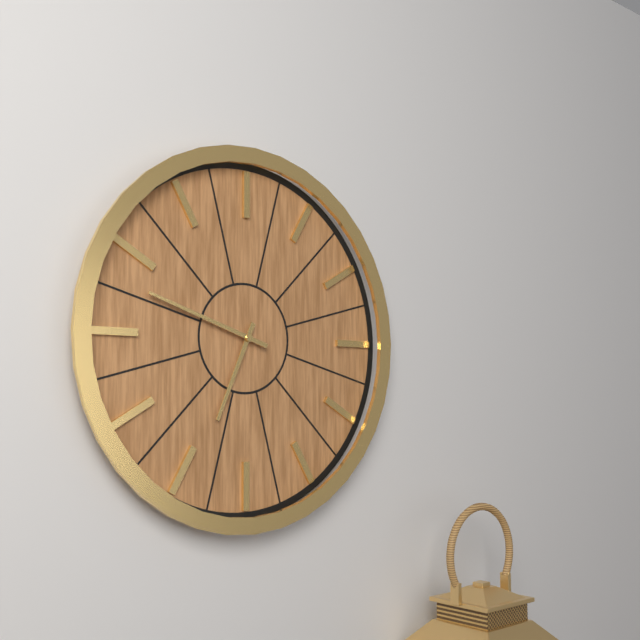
6:48
